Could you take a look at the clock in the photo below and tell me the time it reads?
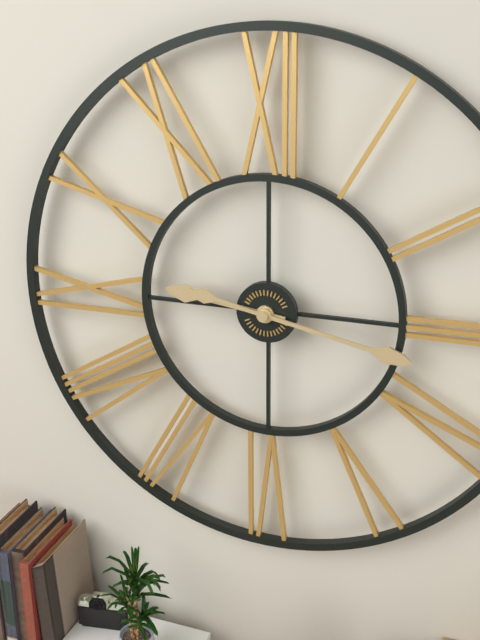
9:17
